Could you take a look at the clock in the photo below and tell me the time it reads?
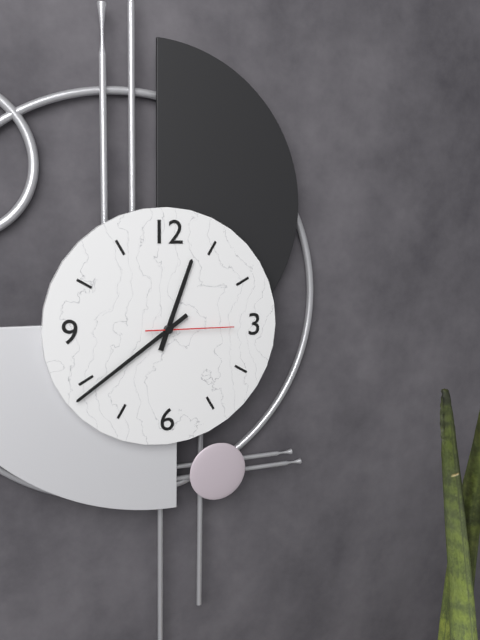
12:39:15
